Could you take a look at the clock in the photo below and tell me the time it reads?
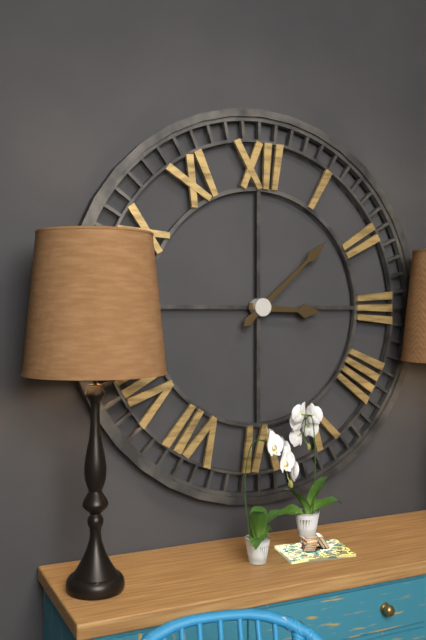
3:08
